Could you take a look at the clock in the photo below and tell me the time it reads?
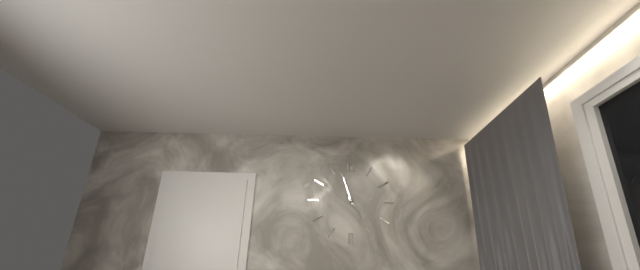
4:57
